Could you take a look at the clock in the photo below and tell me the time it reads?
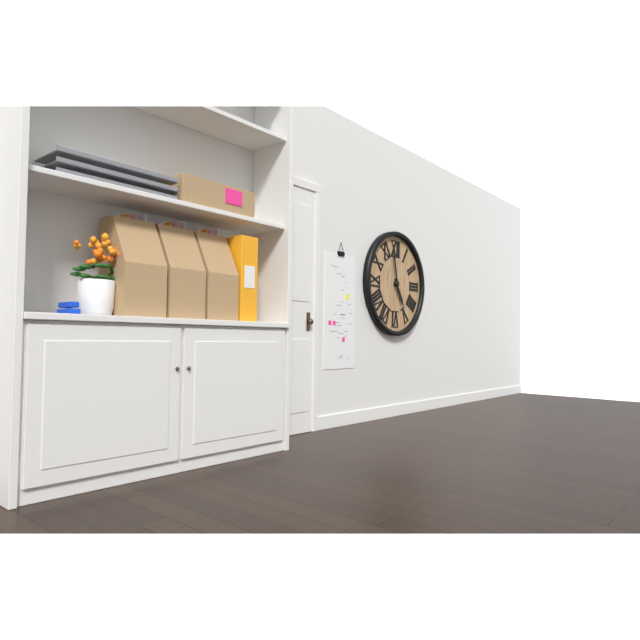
4:58
